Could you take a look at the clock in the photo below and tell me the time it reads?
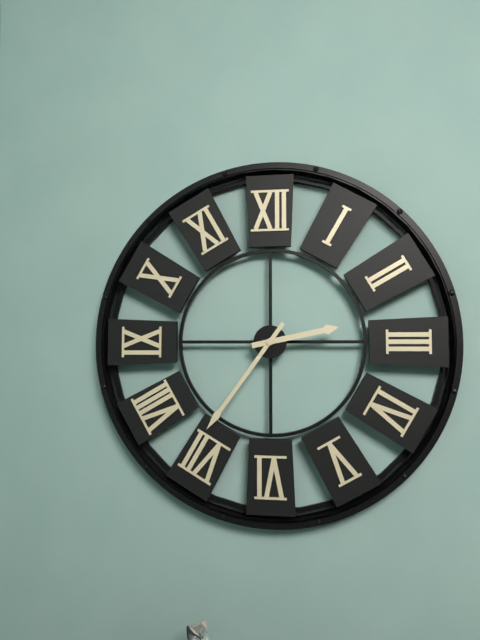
2:36
